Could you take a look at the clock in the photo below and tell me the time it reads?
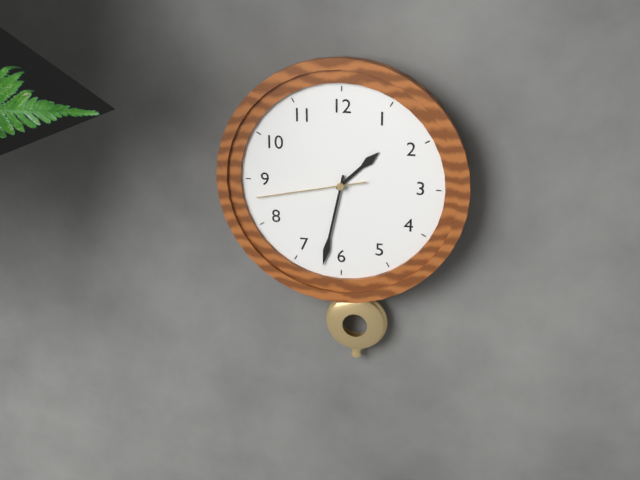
1:32:43
